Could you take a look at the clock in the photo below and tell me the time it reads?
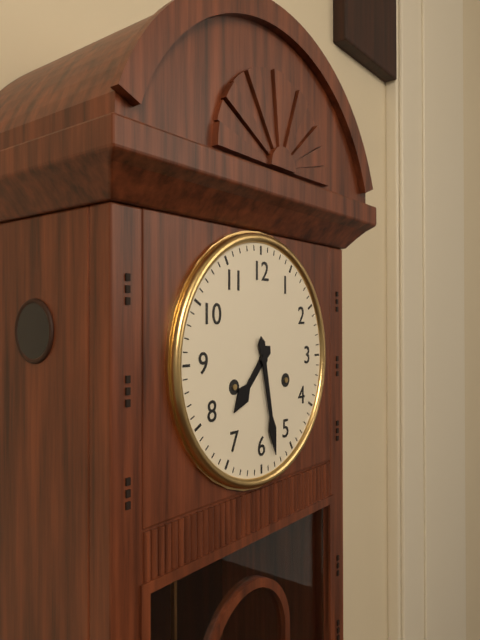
7:28
